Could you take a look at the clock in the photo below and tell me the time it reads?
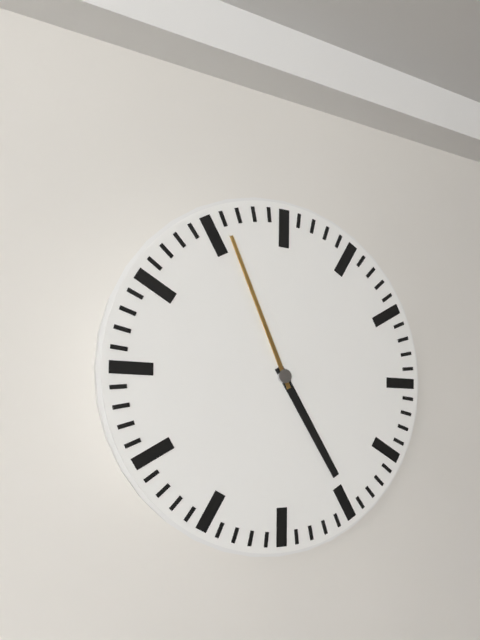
4:56
